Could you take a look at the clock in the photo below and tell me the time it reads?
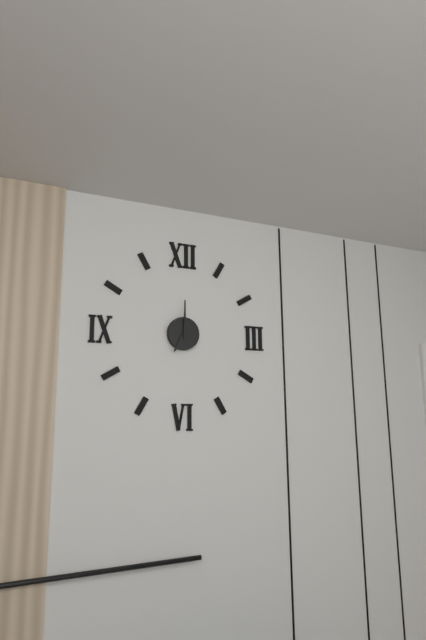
7:00
